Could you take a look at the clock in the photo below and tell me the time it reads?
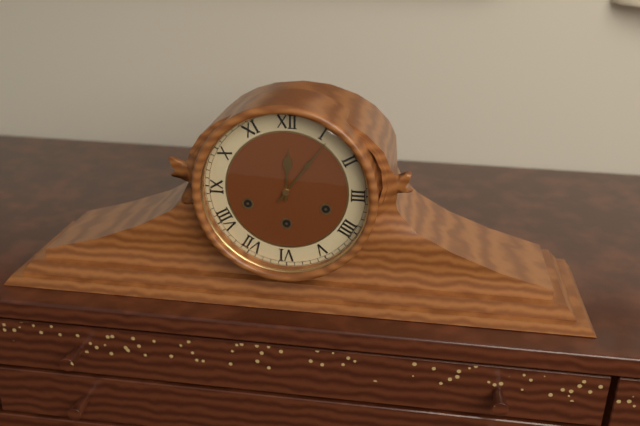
12:06
